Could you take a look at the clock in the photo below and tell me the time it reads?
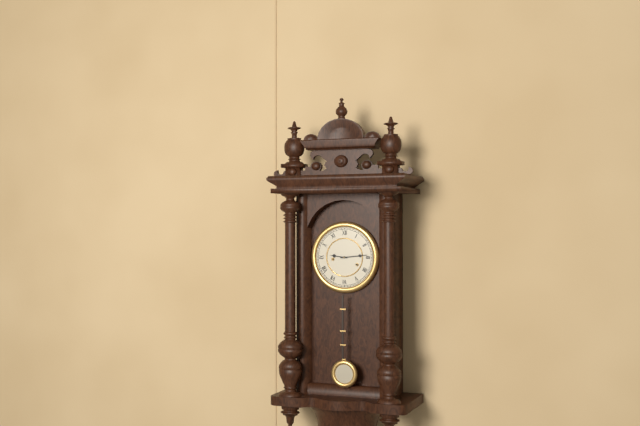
9:14
